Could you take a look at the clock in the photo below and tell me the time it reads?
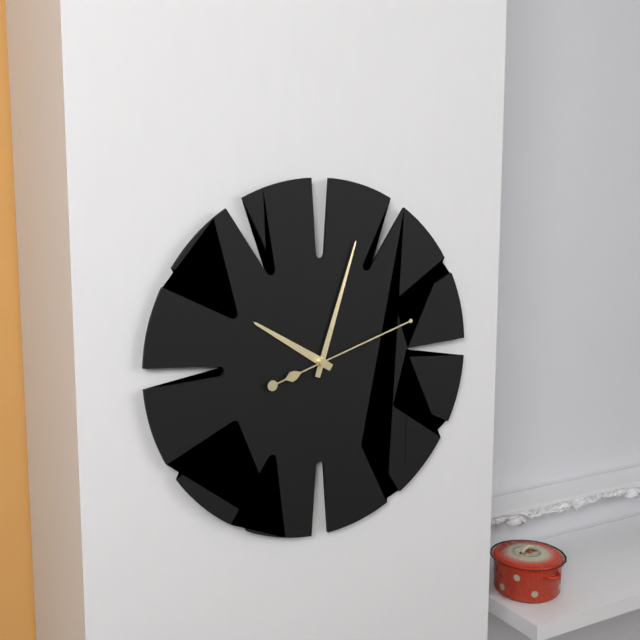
10:03:12
